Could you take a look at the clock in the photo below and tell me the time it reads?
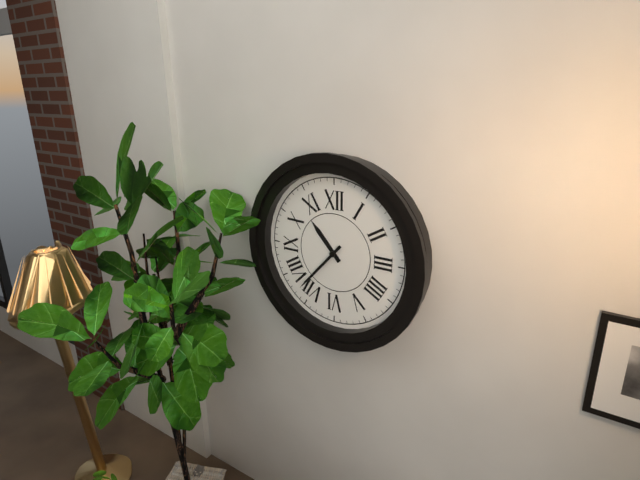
10:37
